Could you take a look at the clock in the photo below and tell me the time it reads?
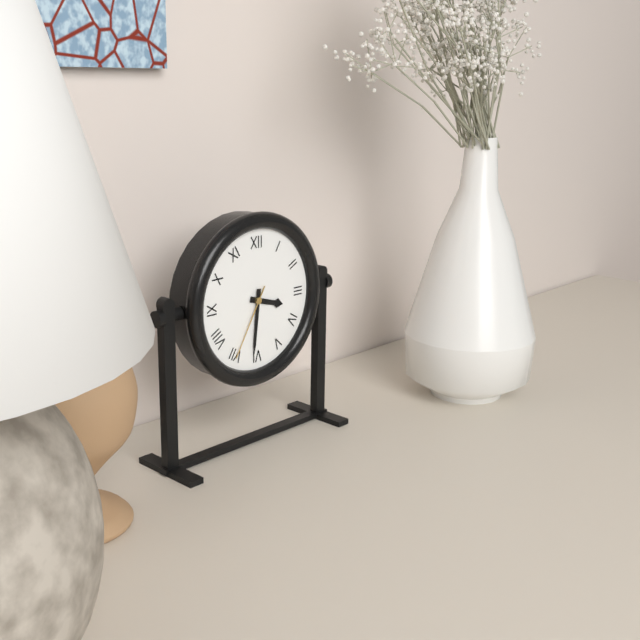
3:31:35
